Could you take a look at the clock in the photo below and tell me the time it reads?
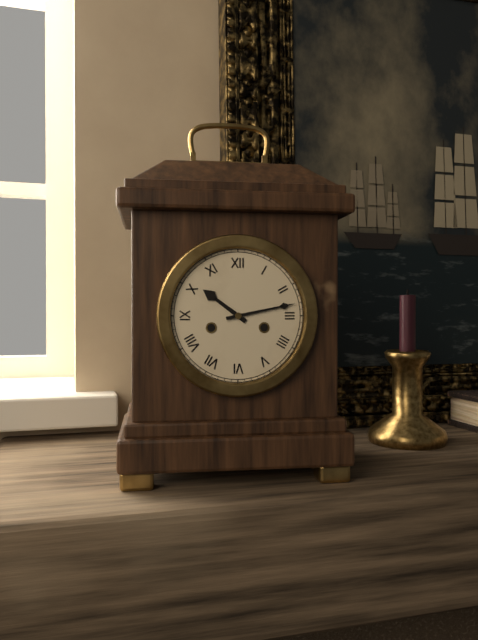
10:13
